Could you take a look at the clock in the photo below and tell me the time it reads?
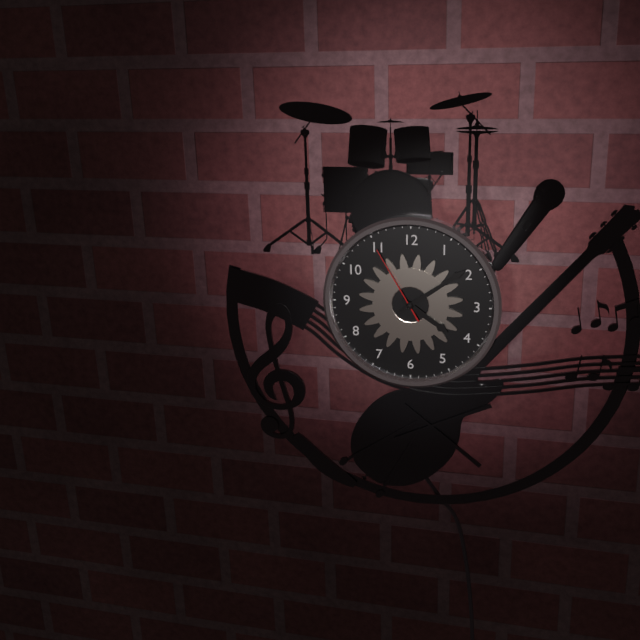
4:09:55
